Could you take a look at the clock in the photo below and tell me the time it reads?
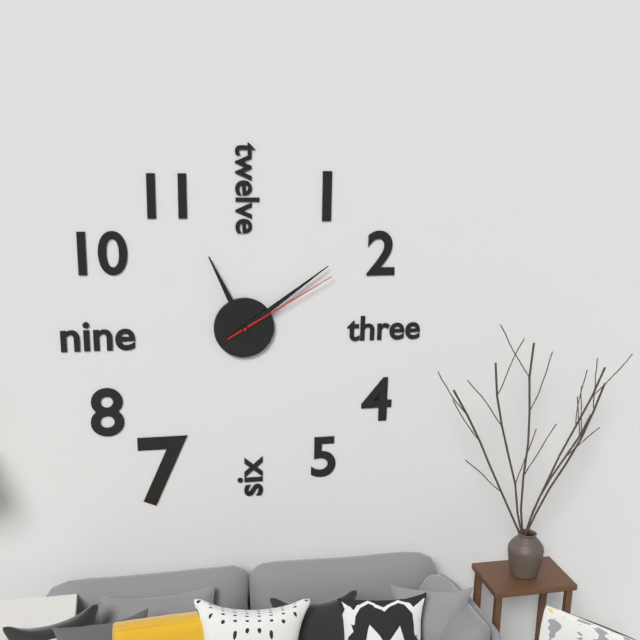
11:09:10
